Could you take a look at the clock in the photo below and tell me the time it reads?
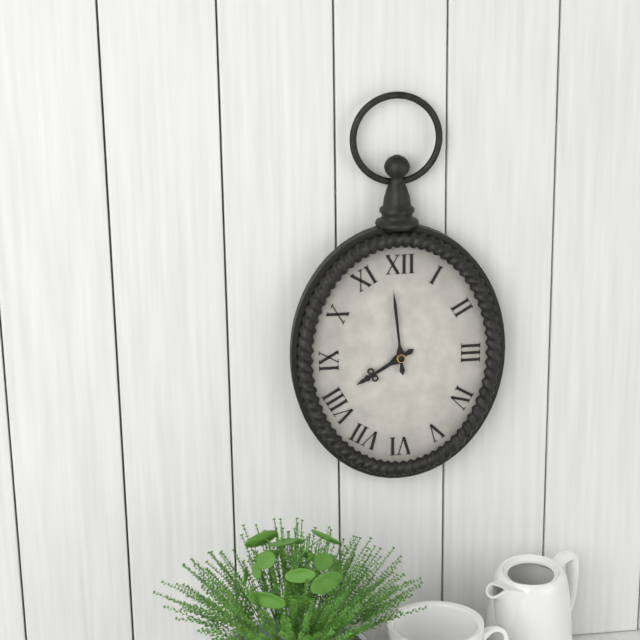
7:59
